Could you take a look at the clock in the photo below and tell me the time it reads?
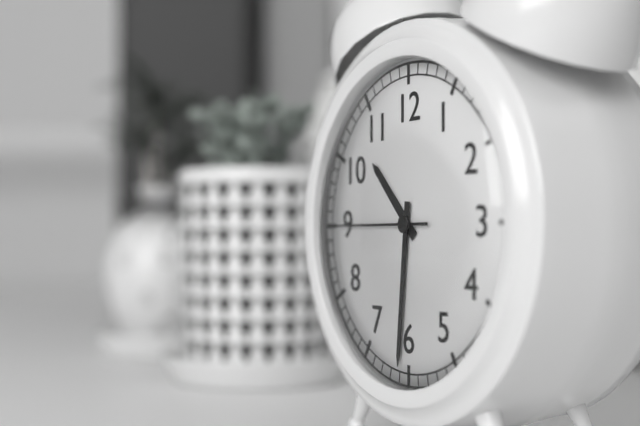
10:31:45
